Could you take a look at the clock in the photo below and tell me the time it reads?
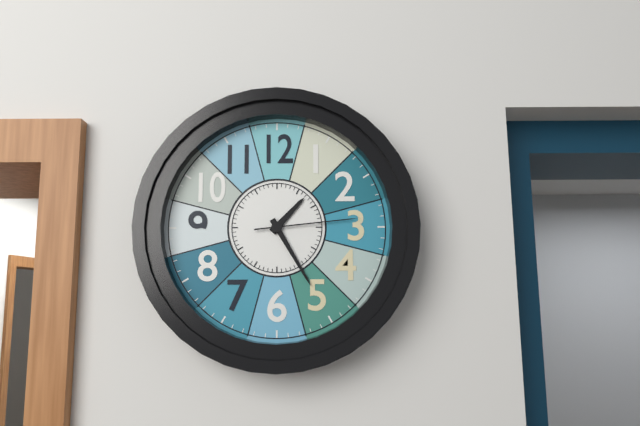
1:25:14
